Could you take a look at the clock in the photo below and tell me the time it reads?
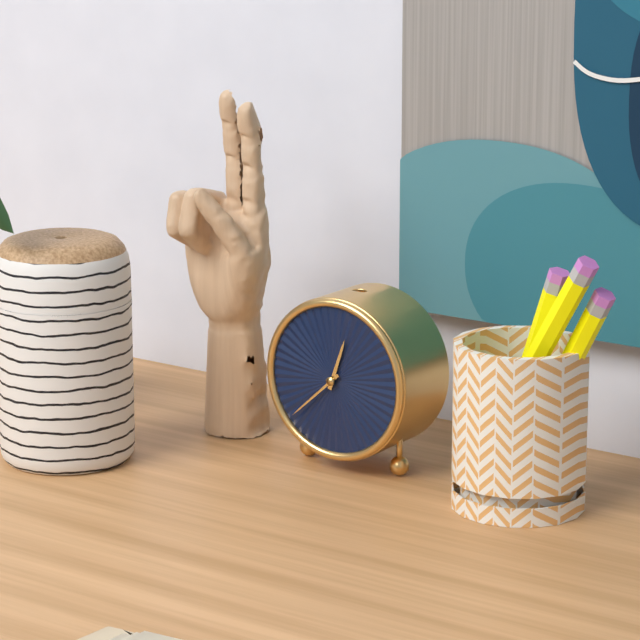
12:38
